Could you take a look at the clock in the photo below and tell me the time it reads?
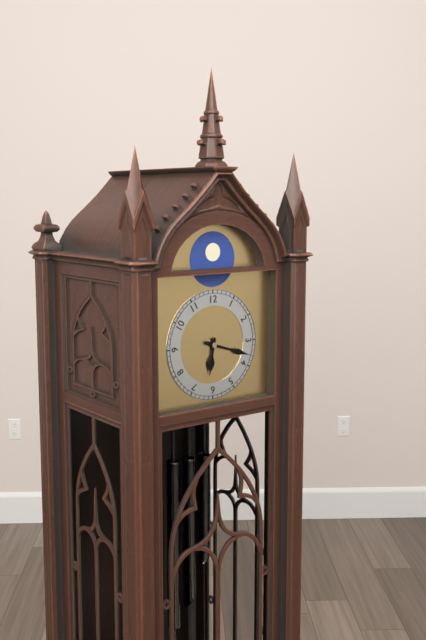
6:18
